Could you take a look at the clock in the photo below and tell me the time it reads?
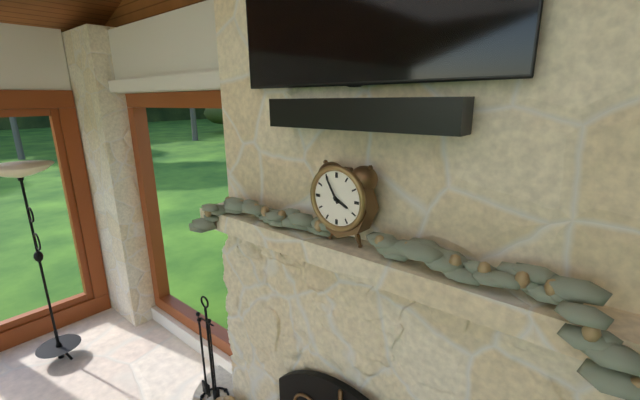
3:55
